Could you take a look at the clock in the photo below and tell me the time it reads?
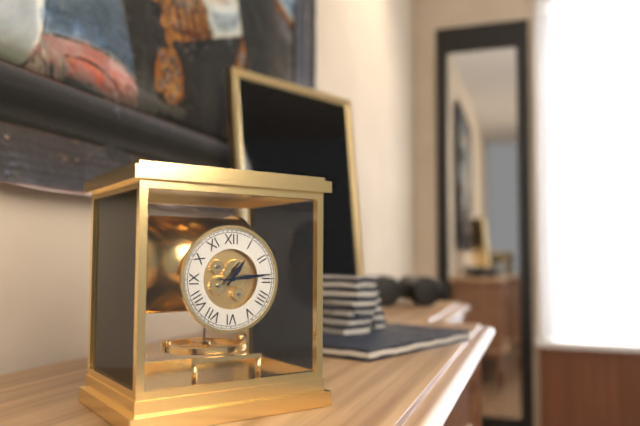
1:14
